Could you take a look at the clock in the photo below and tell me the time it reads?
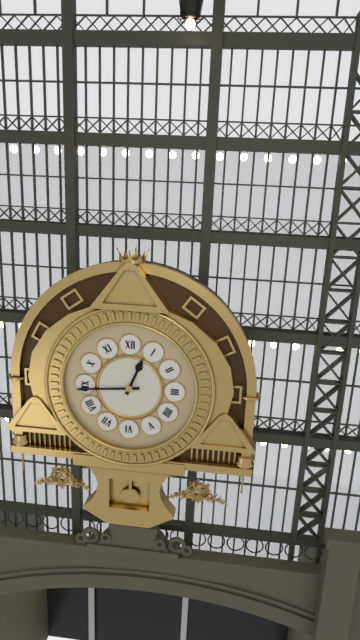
12:44
